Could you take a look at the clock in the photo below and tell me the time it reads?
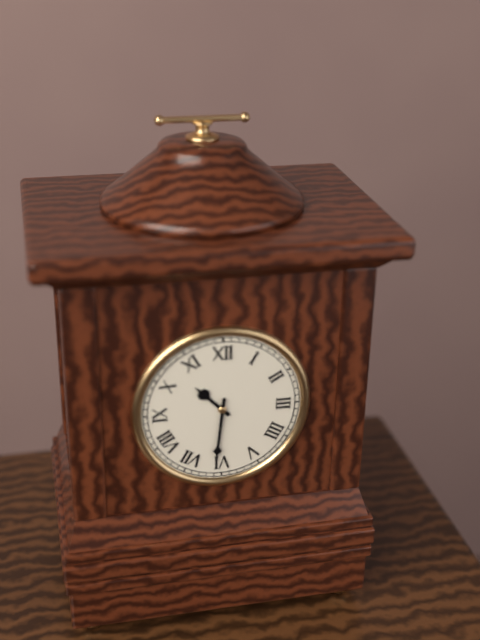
10:31
